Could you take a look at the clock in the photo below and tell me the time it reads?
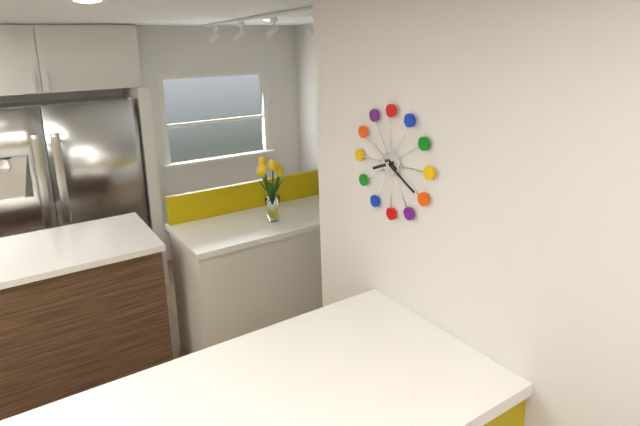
8:20
